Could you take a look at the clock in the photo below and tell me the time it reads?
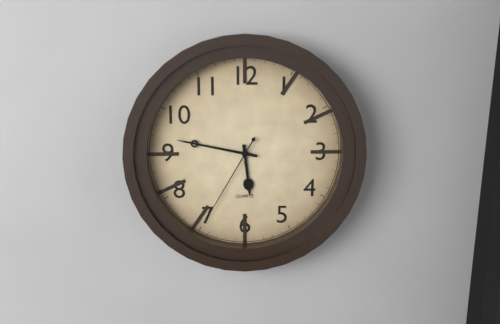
5:47:35
